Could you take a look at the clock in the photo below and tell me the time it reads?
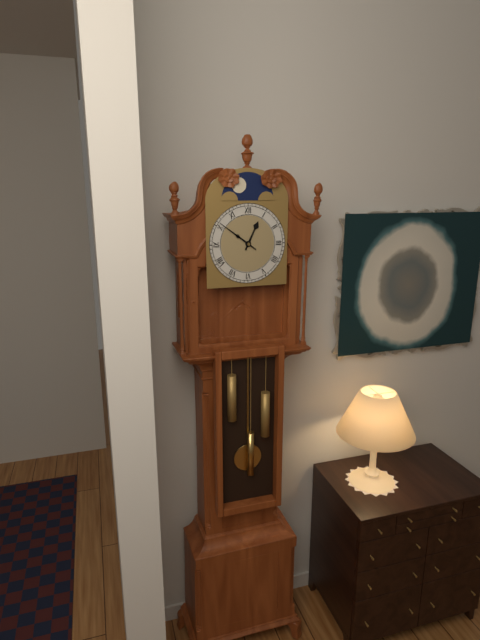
12:51
